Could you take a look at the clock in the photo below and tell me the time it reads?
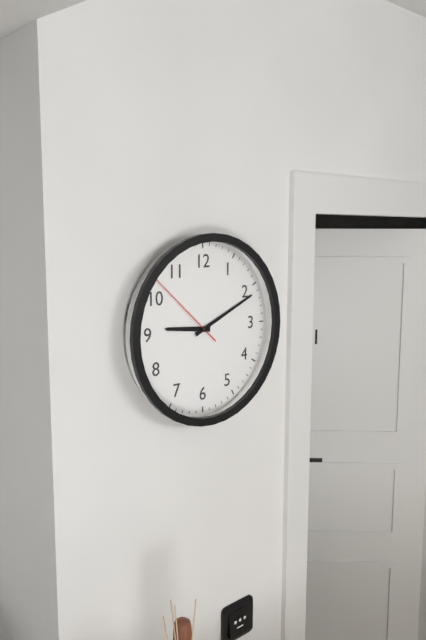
9:11:52
